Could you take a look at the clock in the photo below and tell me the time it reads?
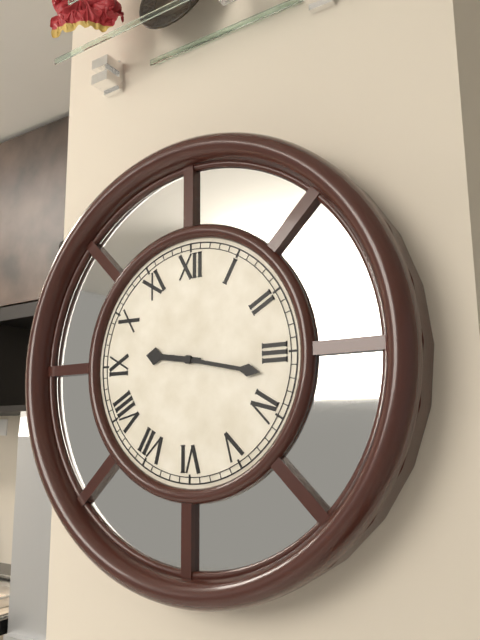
9:17
